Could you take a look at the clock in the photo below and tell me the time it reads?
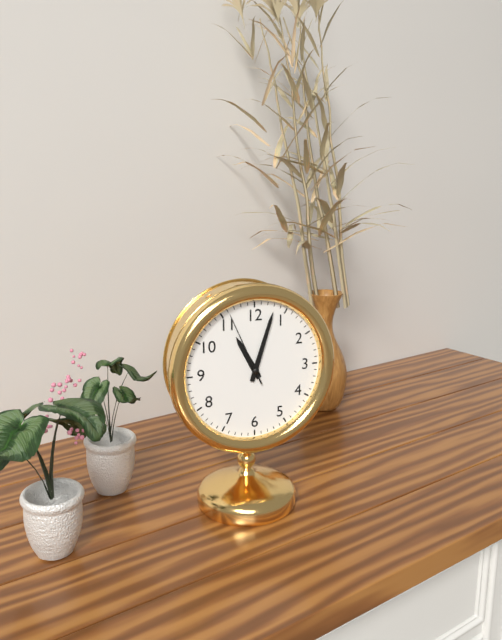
11:03:56
